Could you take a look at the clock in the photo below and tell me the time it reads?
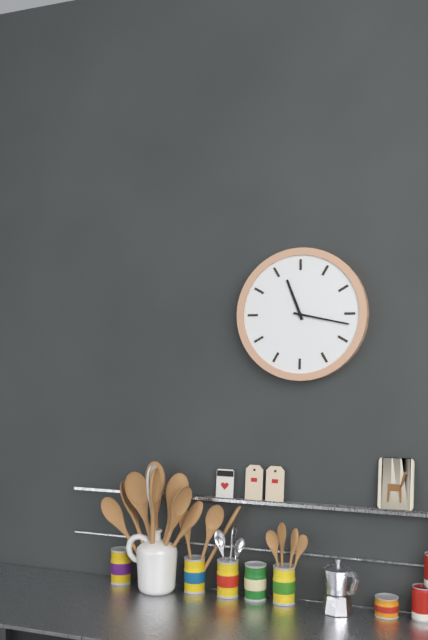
11:17
